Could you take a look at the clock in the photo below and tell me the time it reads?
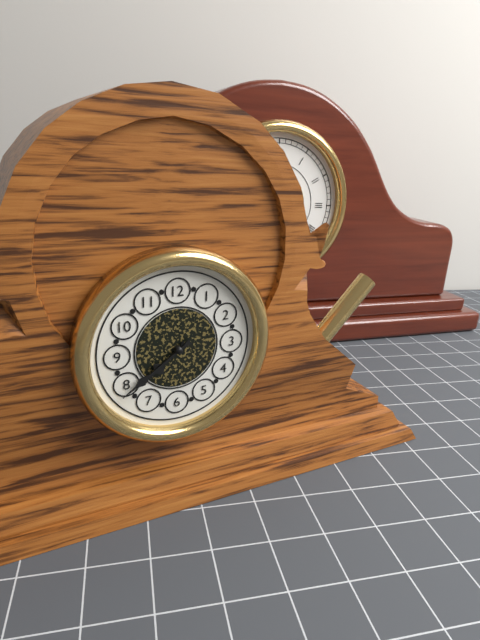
7:39
